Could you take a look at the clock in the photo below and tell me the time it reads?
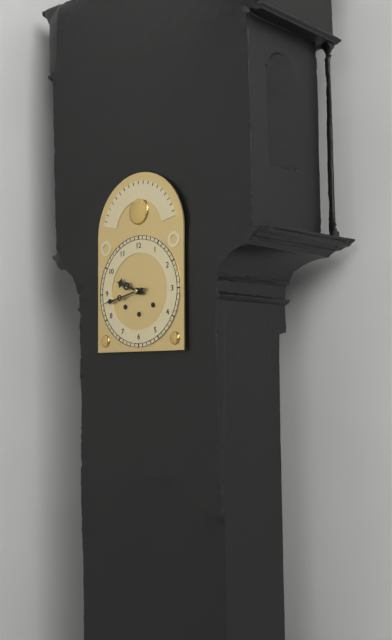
9:43
